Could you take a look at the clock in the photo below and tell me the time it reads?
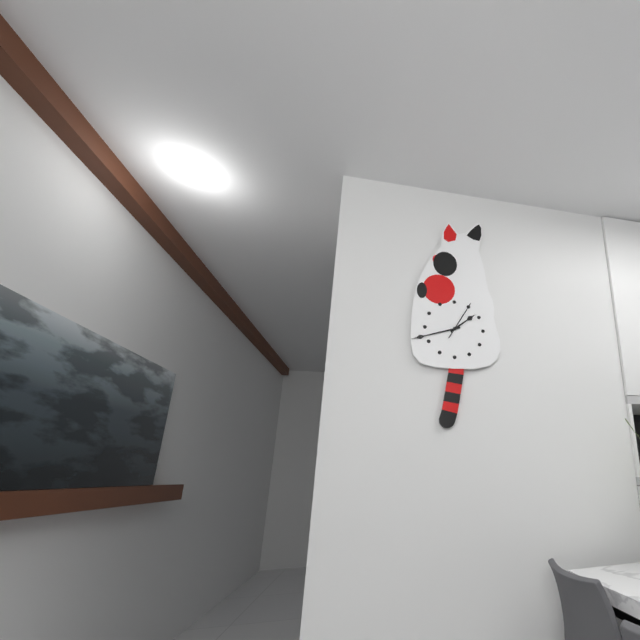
1:42
